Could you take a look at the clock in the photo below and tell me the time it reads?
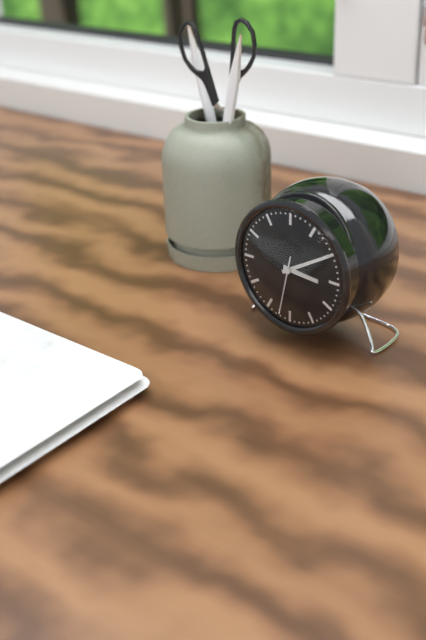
3:10:32
